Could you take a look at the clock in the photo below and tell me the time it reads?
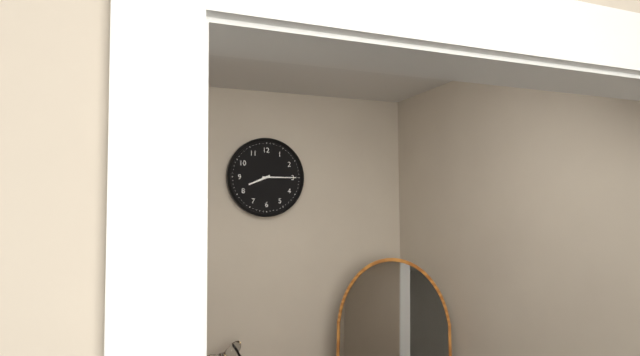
8:15
